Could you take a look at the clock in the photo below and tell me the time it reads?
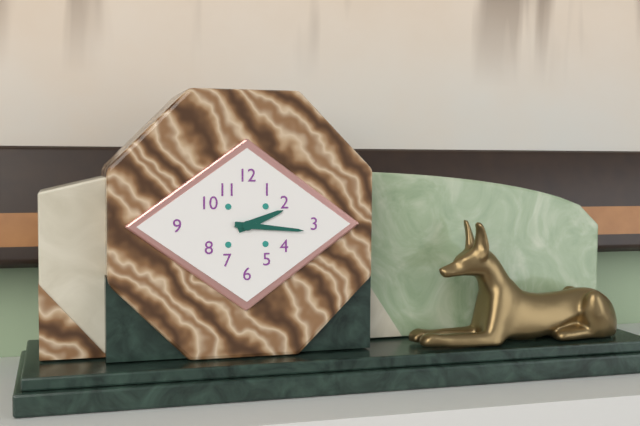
2:16
